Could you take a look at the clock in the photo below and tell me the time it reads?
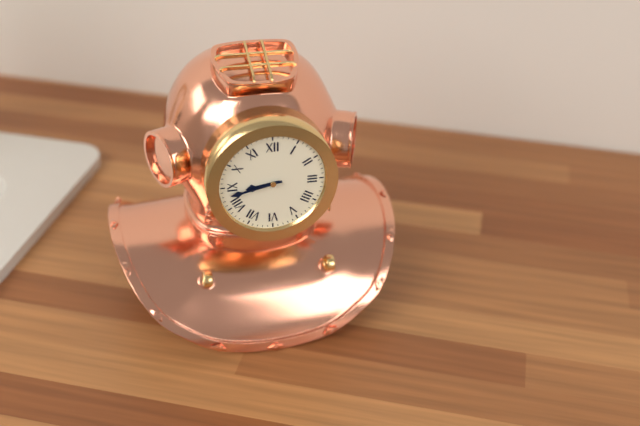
8:43
